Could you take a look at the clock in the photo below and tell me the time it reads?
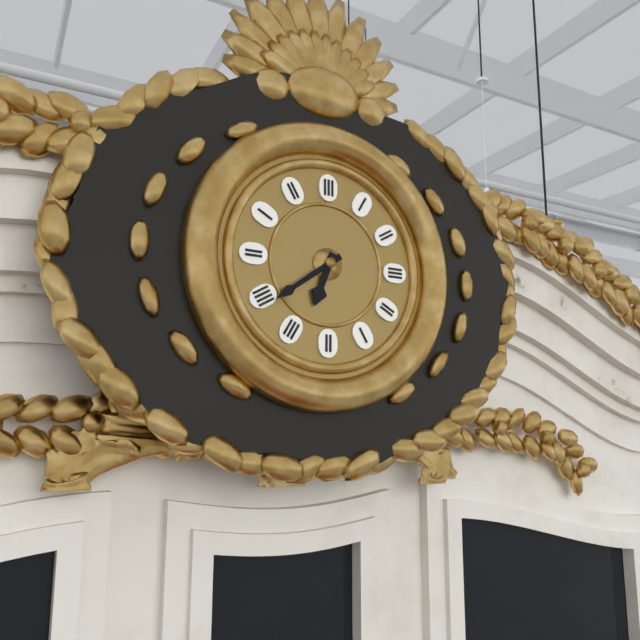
6:39
